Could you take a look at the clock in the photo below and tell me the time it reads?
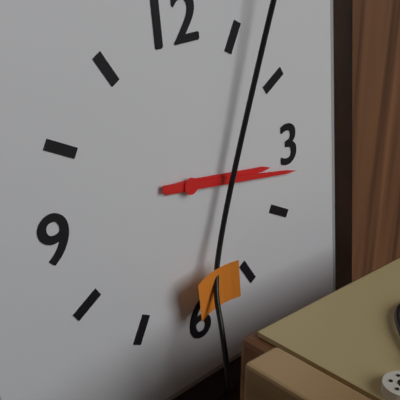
3:17
